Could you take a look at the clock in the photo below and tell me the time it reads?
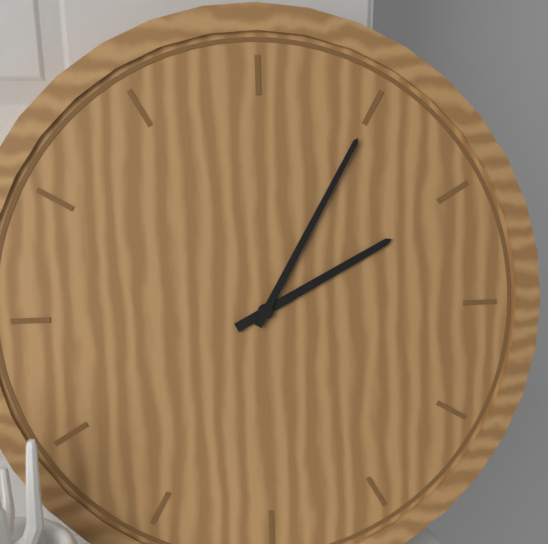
2:05
